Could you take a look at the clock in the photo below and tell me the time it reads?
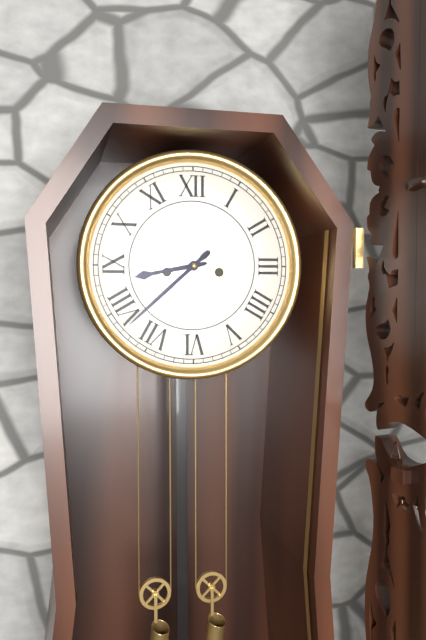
8:38
